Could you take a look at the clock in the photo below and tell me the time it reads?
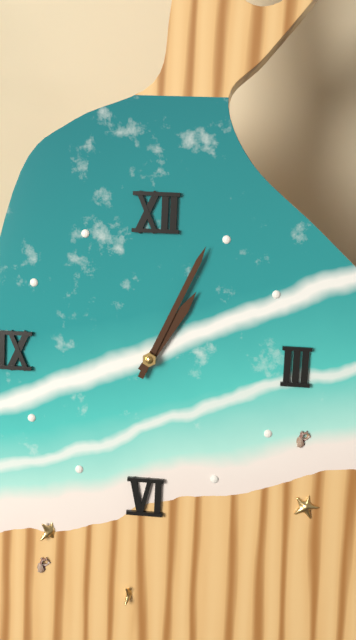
1:04
